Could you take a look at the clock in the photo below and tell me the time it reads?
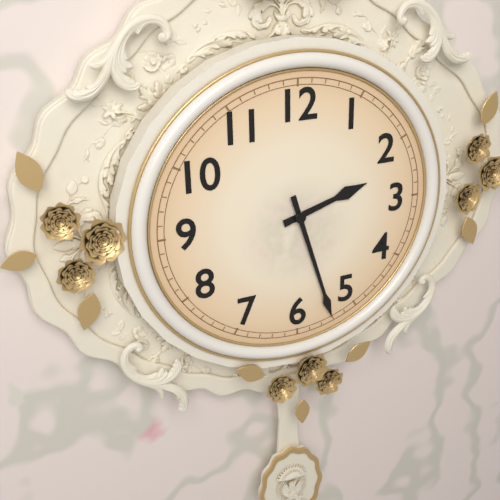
2:27
